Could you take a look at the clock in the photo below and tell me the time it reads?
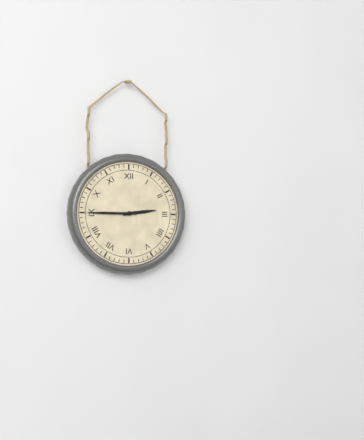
2:45
